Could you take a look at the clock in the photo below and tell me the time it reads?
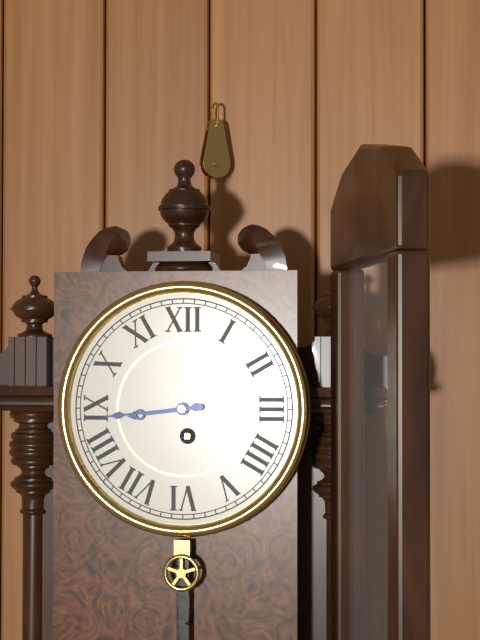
8:44
